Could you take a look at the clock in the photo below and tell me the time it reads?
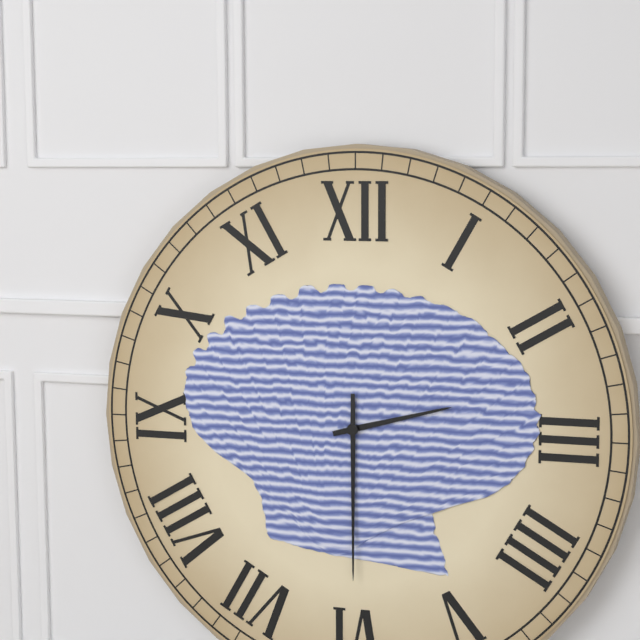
2:30
